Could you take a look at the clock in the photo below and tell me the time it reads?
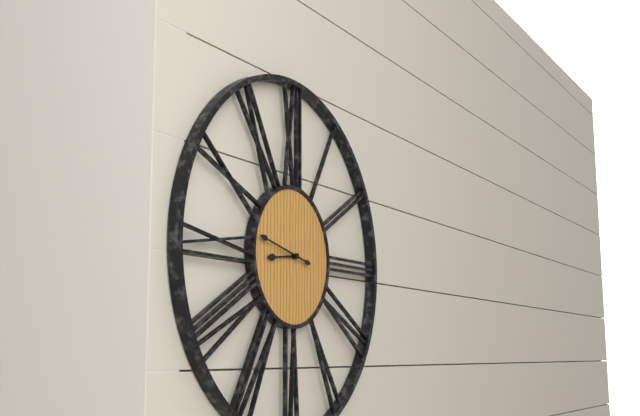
8:47
